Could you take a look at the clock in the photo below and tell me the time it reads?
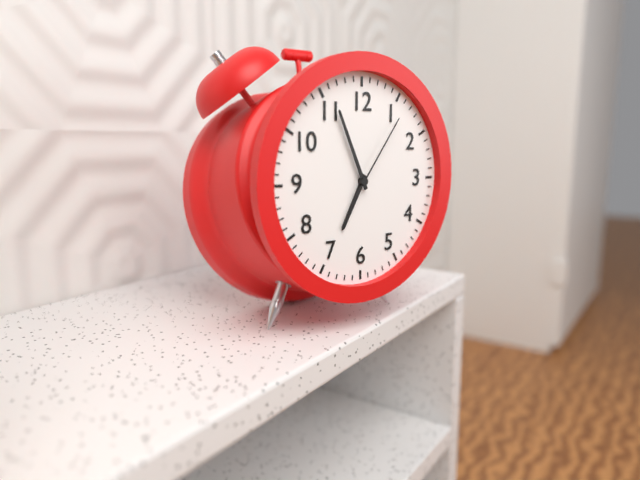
6:56:06
